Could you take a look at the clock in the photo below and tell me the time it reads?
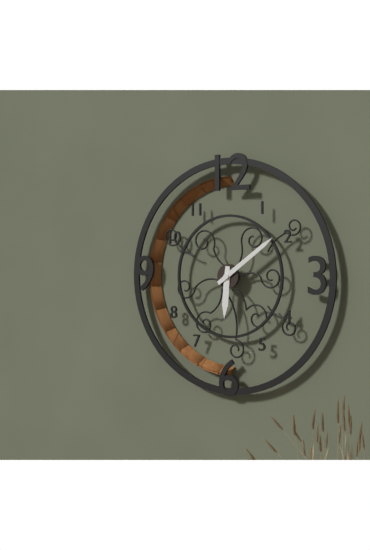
6:09
